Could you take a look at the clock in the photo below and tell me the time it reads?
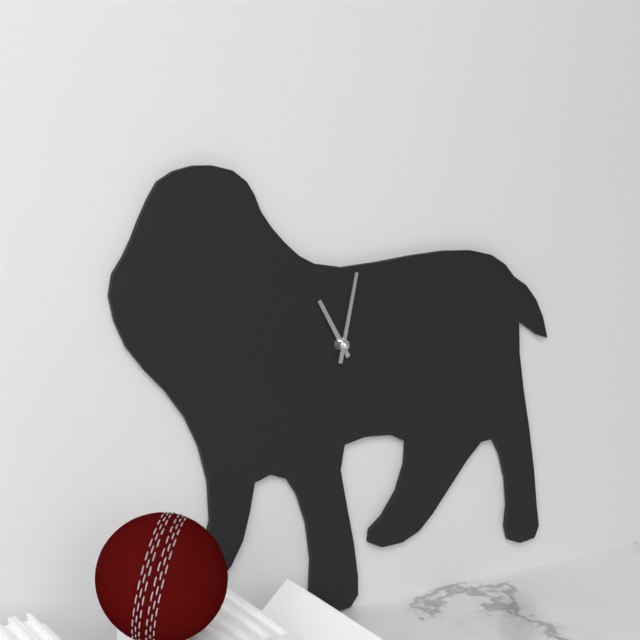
11:02
